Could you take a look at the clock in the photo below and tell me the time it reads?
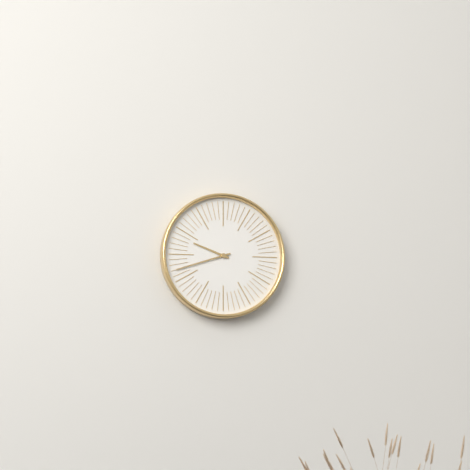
9:42
